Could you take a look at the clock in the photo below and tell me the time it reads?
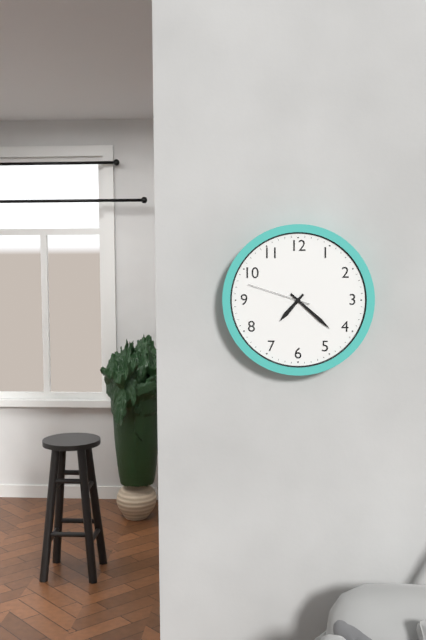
7:22:48
